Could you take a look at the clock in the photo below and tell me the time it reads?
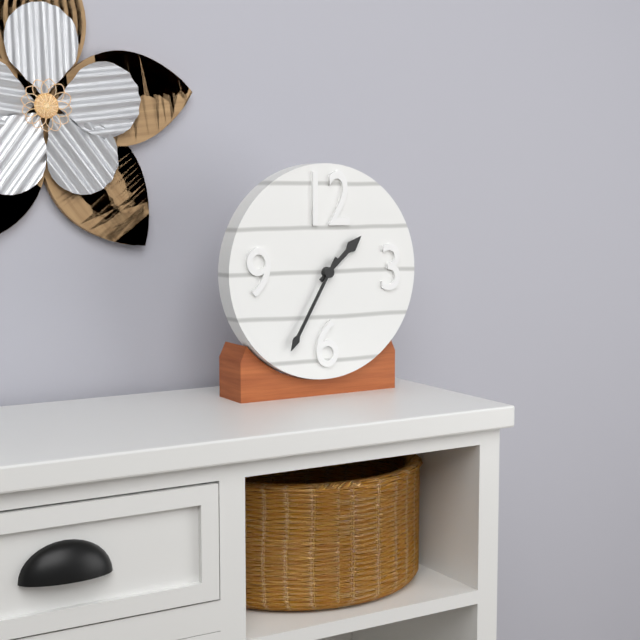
1:35
